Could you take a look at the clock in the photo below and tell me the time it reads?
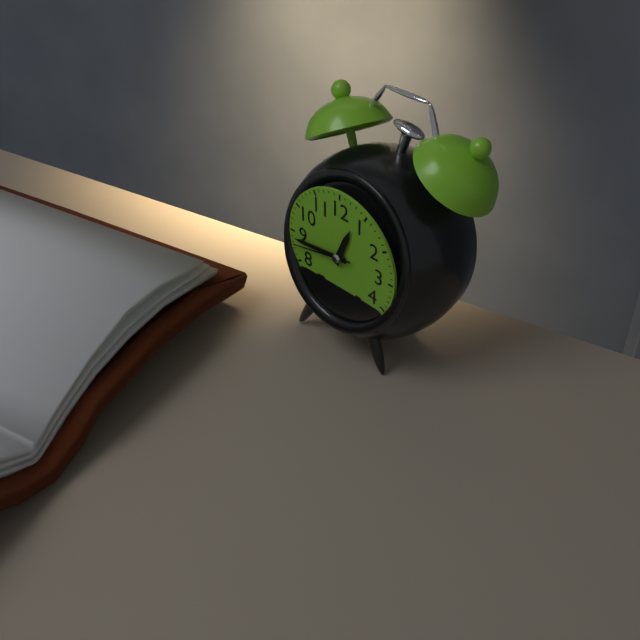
12:44:43
